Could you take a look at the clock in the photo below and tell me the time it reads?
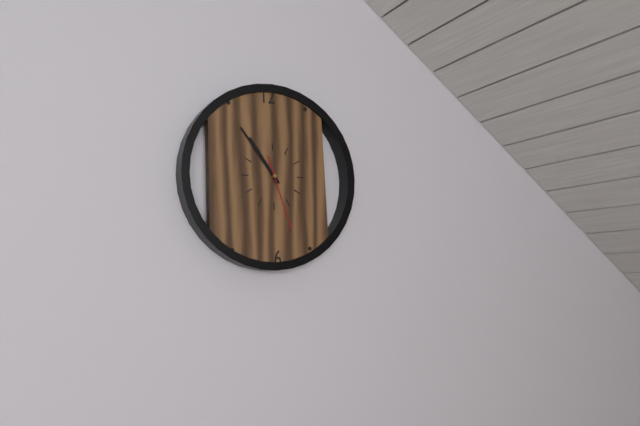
10:54:27
